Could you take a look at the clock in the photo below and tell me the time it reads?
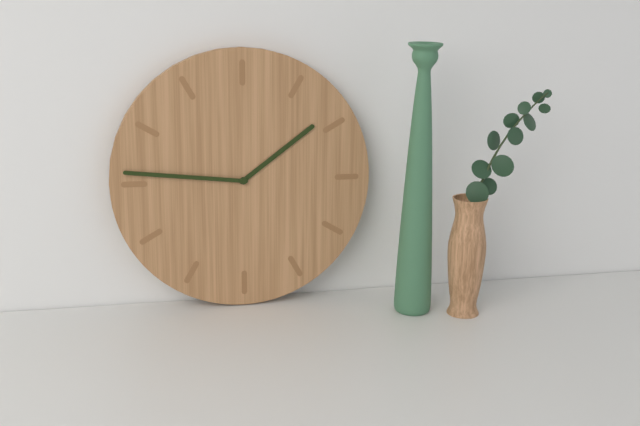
1:46
